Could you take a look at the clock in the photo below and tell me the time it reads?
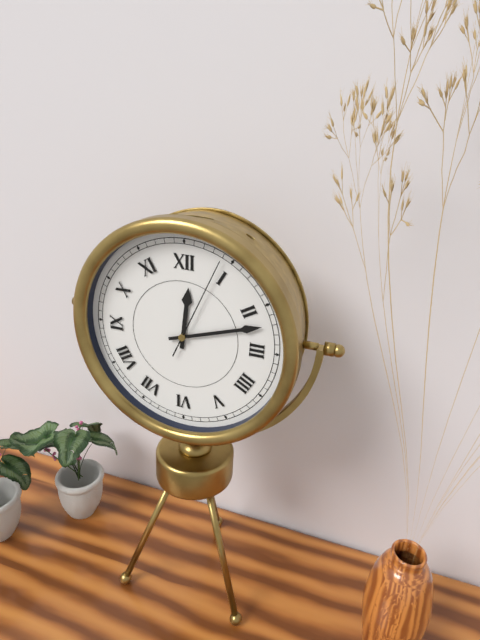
12:12:04
